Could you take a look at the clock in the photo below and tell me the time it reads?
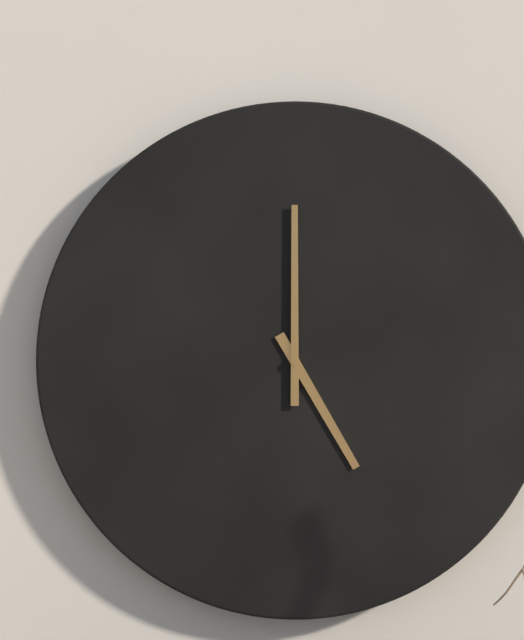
5:00
